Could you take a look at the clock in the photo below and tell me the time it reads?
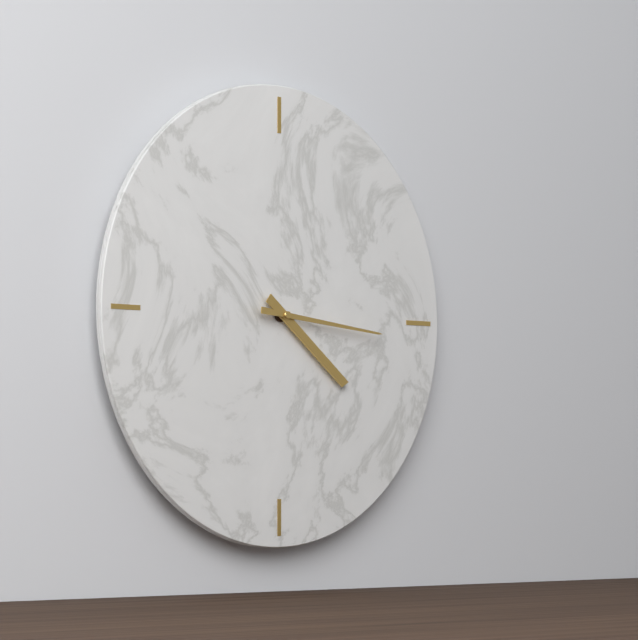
4:16
